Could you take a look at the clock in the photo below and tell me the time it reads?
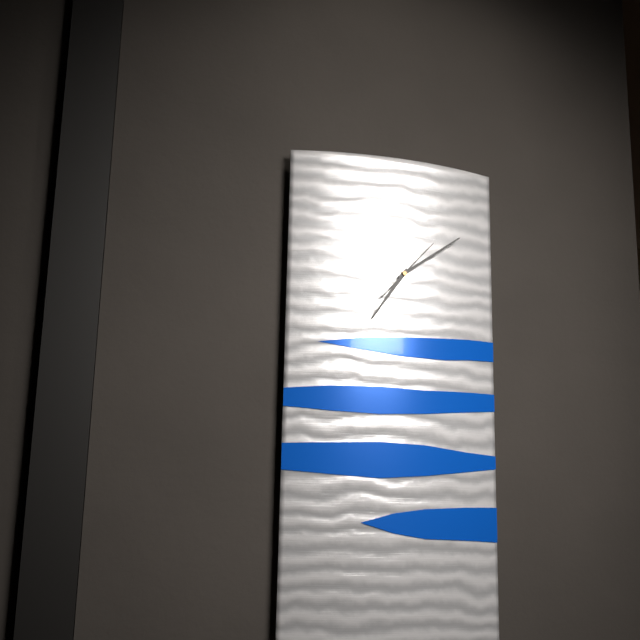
7:09:07
